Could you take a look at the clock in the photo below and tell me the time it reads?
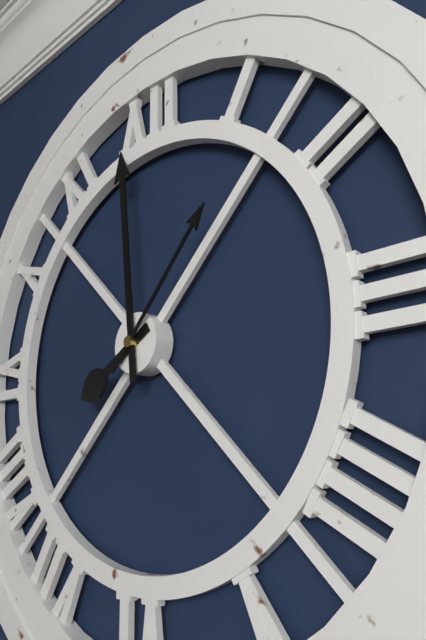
7:59:07
